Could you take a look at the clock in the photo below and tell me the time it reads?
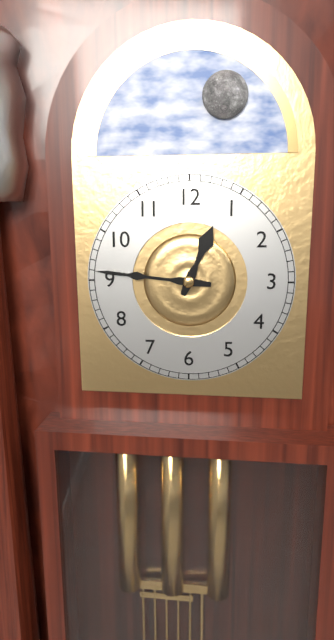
12:46
